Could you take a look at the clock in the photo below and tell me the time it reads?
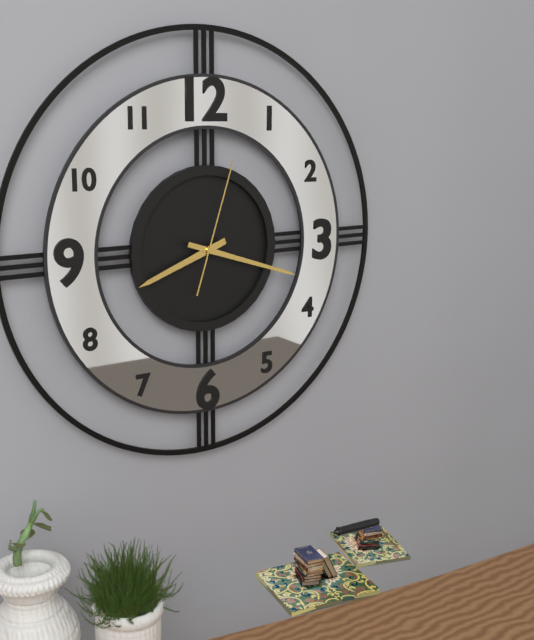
8:18:03
